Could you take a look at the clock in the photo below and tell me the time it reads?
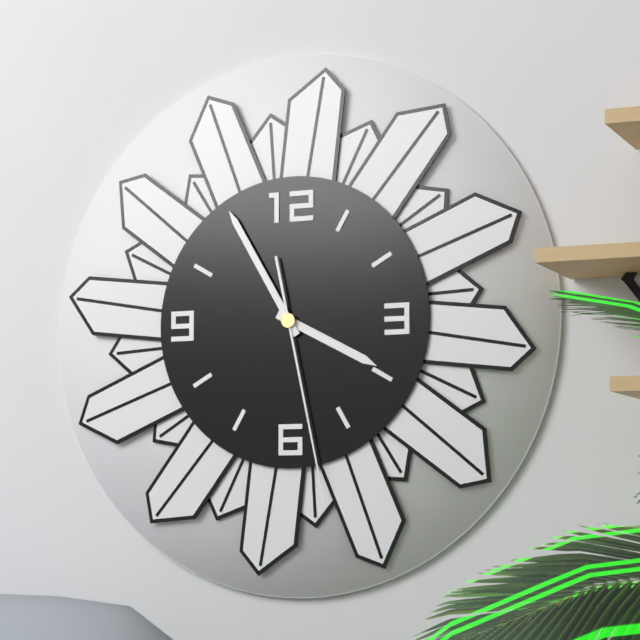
3:55:28
